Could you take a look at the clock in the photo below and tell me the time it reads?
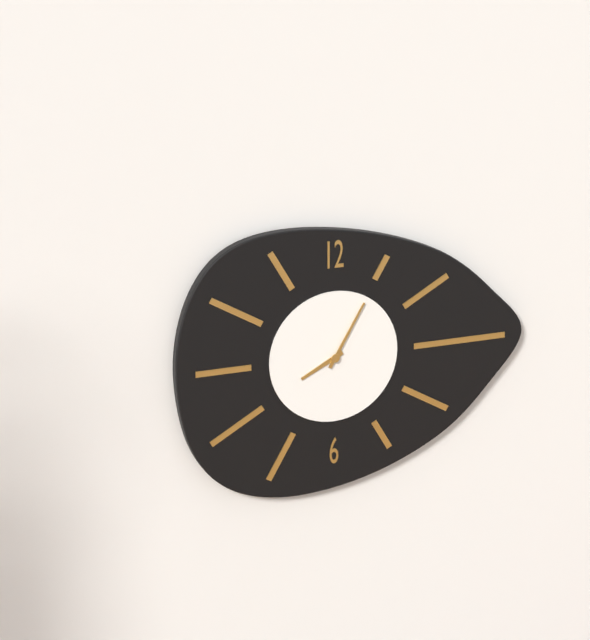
8:05
